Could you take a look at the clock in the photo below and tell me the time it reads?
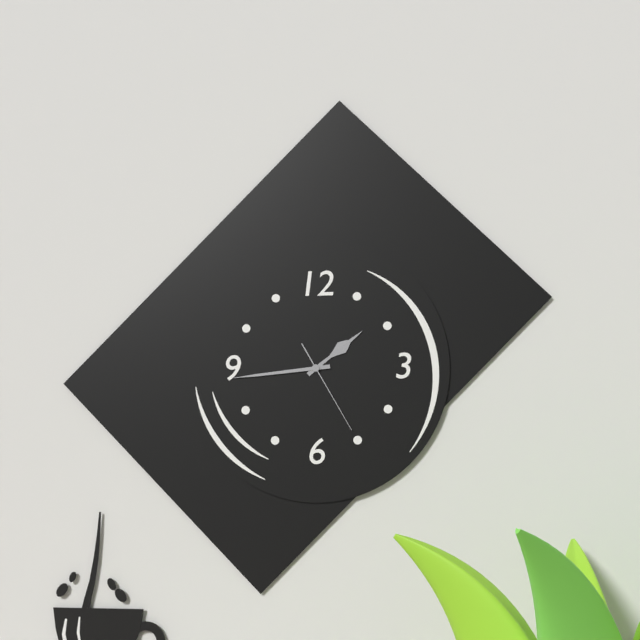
1:44:25
